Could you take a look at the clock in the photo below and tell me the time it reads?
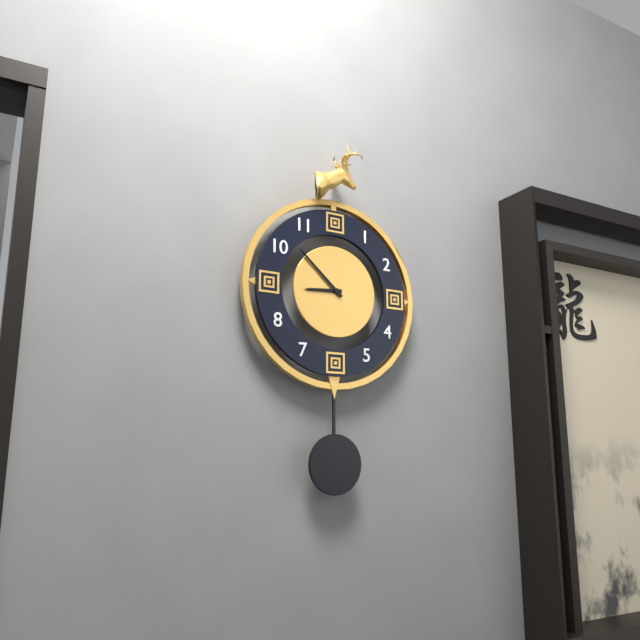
8:52
